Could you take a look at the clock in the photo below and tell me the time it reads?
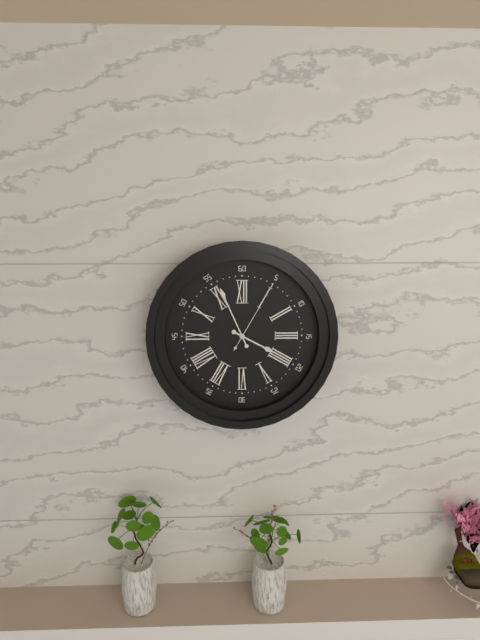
3:56:05
